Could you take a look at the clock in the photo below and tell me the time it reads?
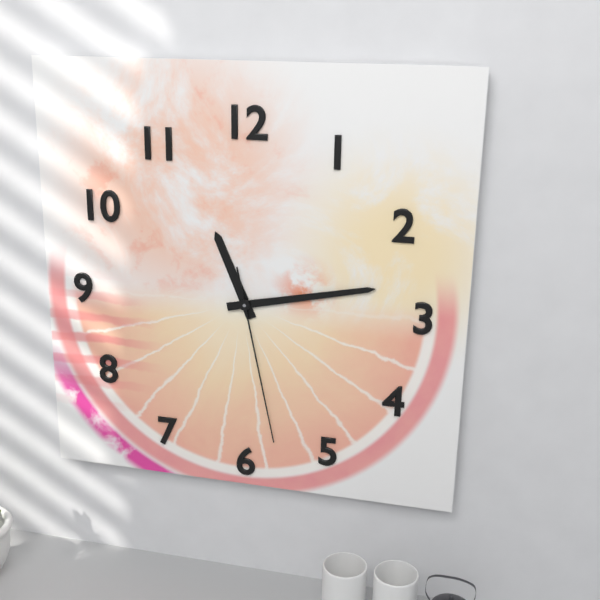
11:13:28
